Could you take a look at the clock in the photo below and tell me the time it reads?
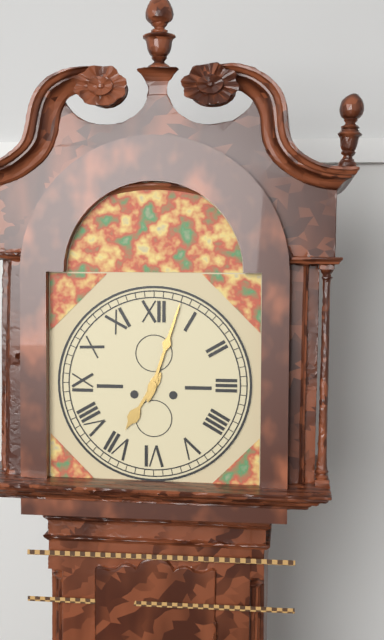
7:03
